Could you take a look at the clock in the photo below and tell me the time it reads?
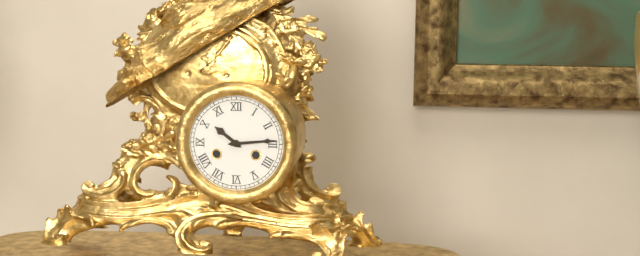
10:14
